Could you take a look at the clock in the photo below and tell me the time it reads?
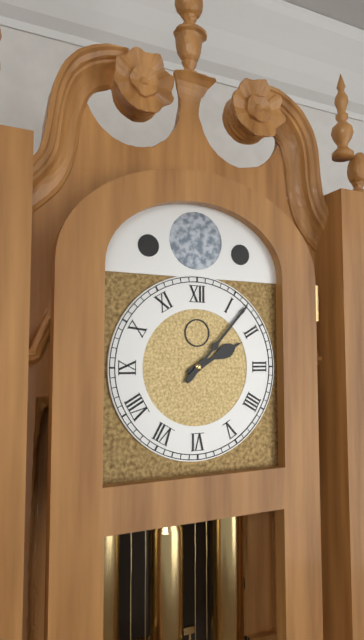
2:07
